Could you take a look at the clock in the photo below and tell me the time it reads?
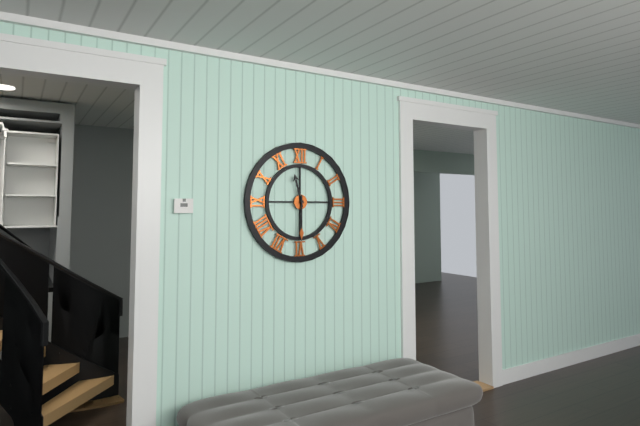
11:30
